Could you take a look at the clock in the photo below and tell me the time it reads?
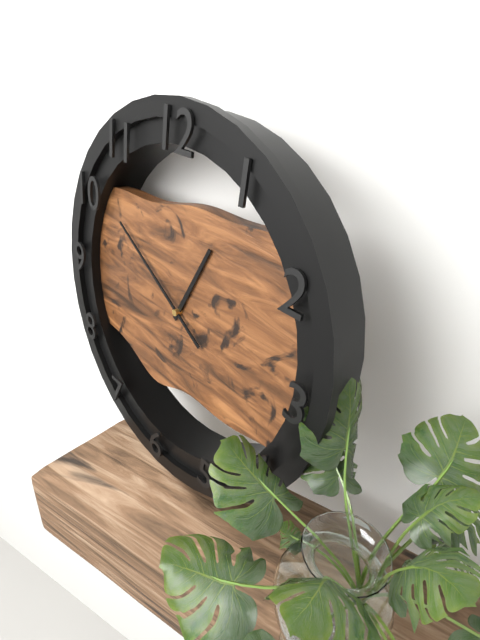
12:50
